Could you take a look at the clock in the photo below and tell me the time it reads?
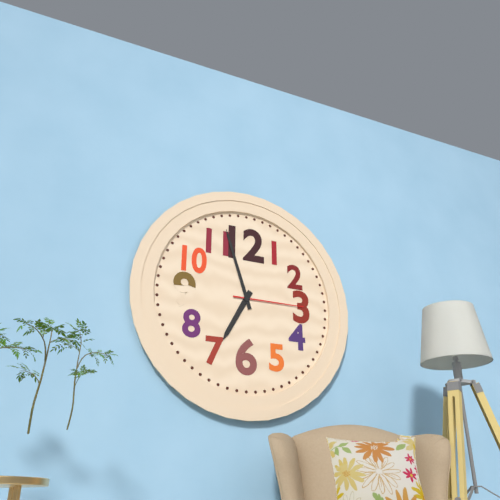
6:57:15
